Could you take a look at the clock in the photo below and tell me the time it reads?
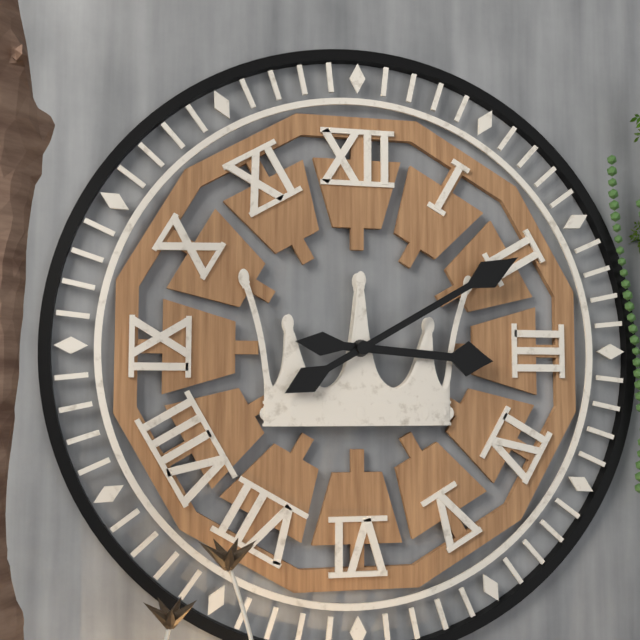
3:10
